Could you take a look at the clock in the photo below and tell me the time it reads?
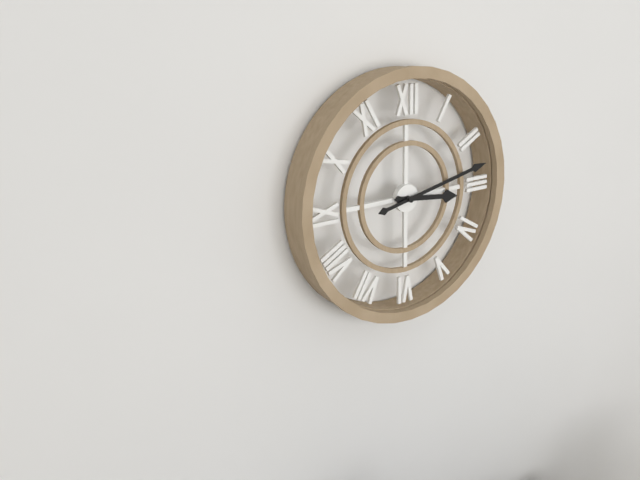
3:13
